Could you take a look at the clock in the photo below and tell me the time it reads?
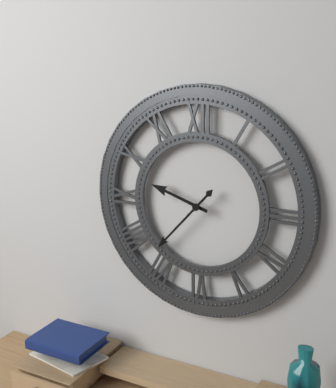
9:37
